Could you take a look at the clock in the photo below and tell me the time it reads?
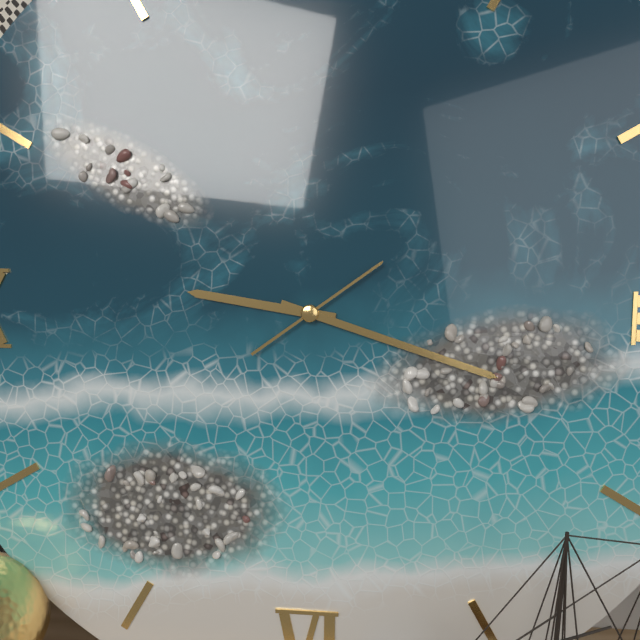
9:18:09
